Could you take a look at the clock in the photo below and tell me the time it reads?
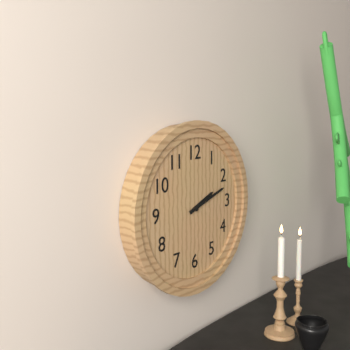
2:12
